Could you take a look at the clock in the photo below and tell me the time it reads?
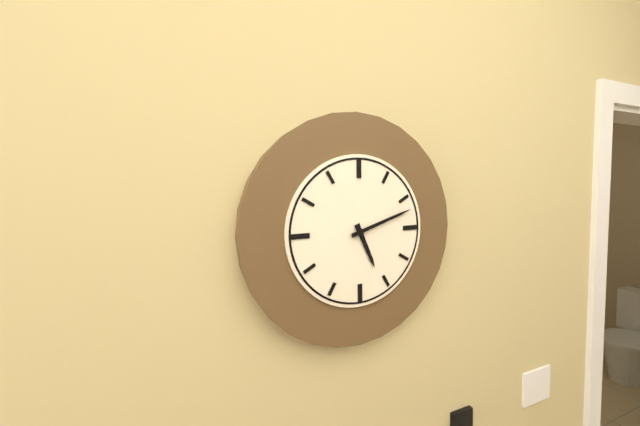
5:12
